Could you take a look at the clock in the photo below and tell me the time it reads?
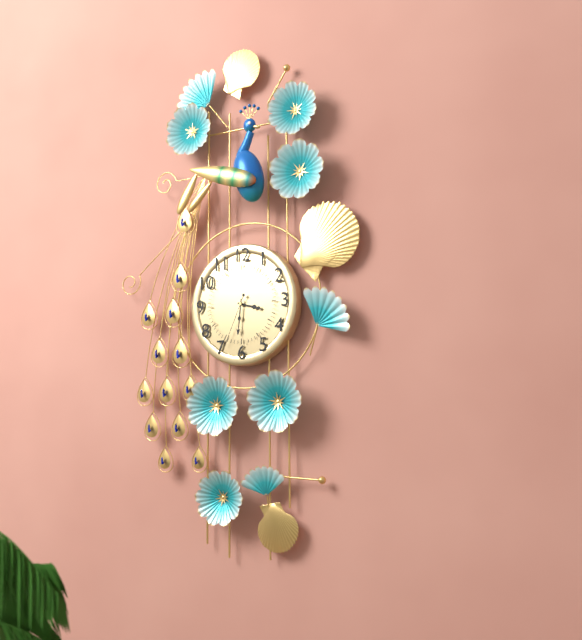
3:31:34
